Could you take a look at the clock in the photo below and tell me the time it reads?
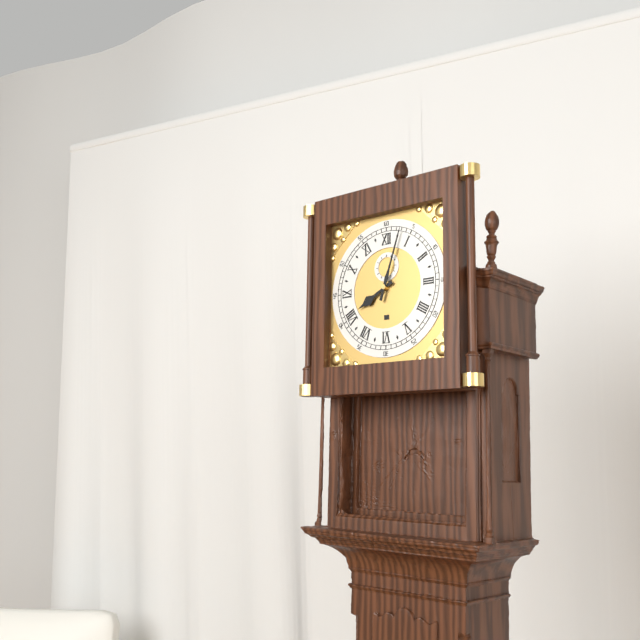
8:03
